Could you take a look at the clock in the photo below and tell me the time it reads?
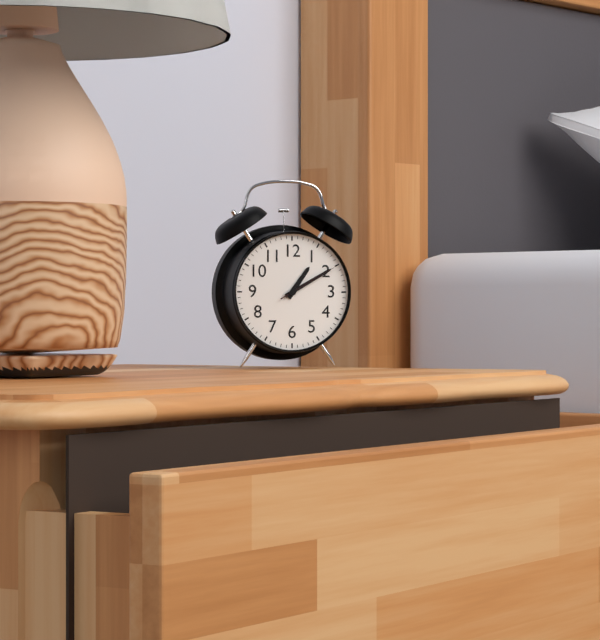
1:10:10
